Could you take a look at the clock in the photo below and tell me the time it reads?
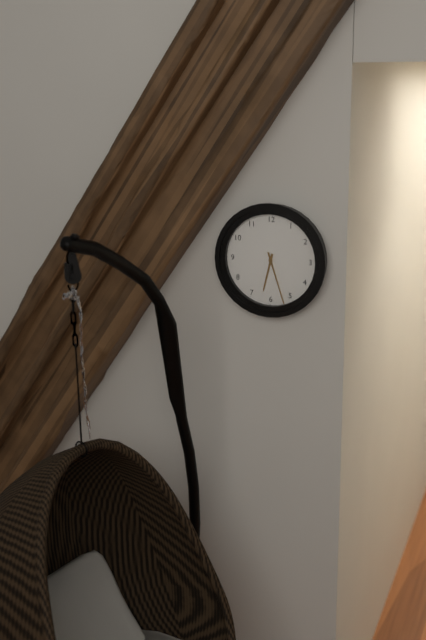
6:27
